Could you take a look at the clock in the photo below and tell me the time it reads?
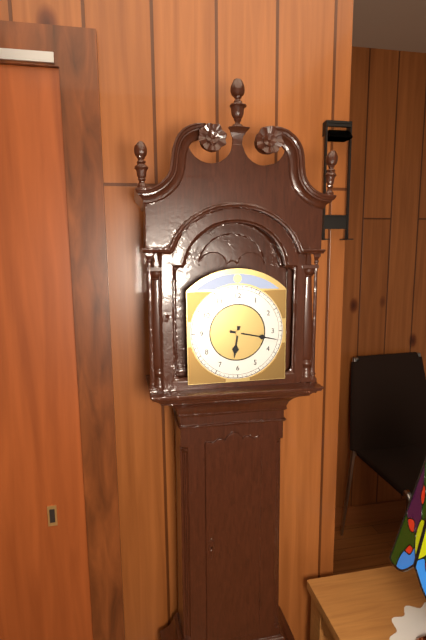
6:17
